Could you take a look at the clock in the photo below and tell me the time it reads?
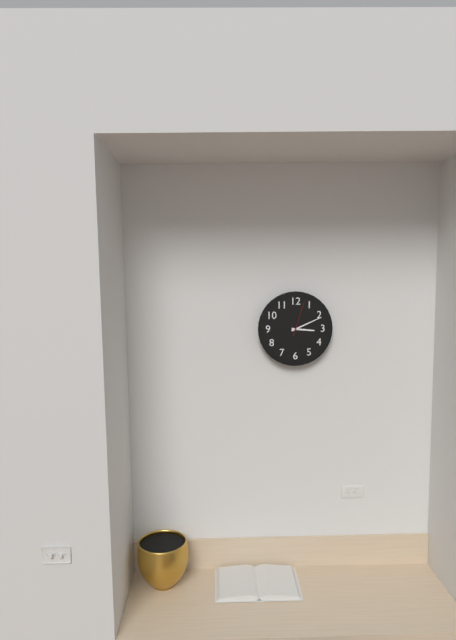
3:11
